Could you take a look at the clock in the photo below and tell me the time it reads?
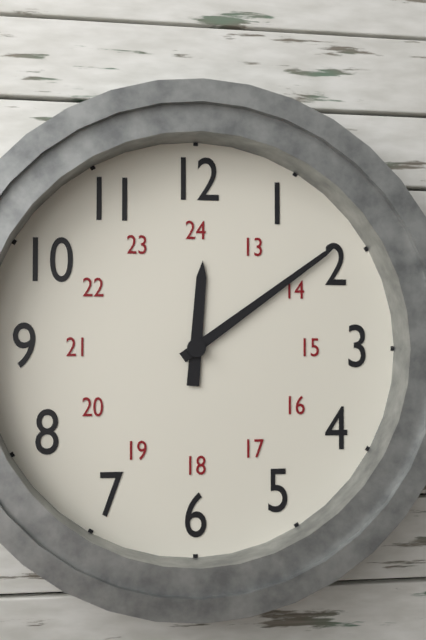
12:09
